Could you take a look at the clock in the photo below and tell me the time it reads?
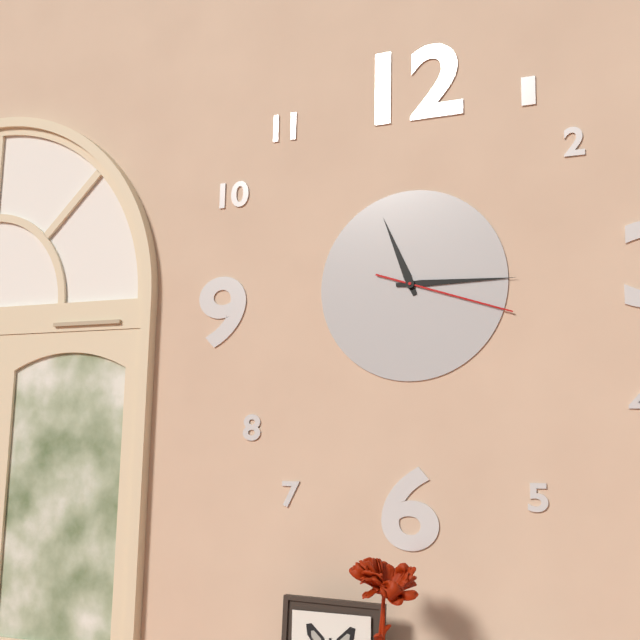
11:15:18
